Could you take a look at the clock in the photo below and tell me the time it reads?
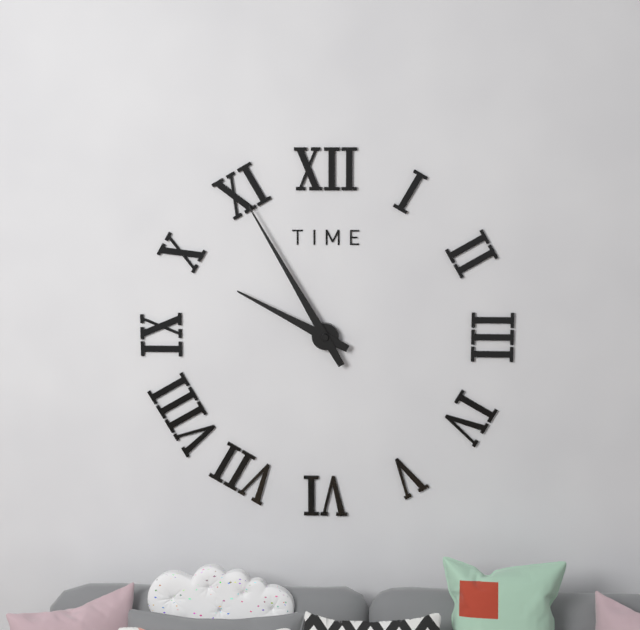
9:55
